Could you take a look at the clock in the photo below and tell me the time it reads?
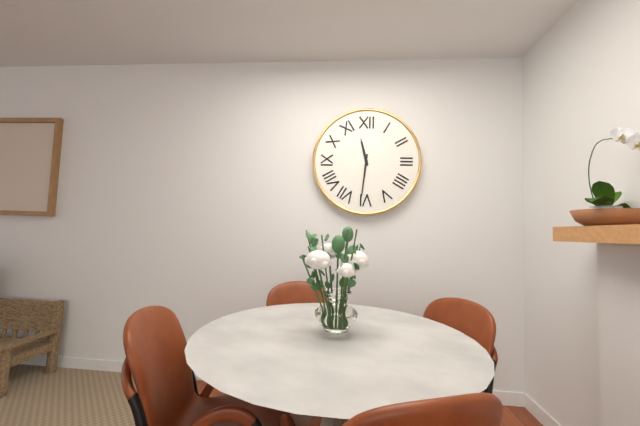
11:31
